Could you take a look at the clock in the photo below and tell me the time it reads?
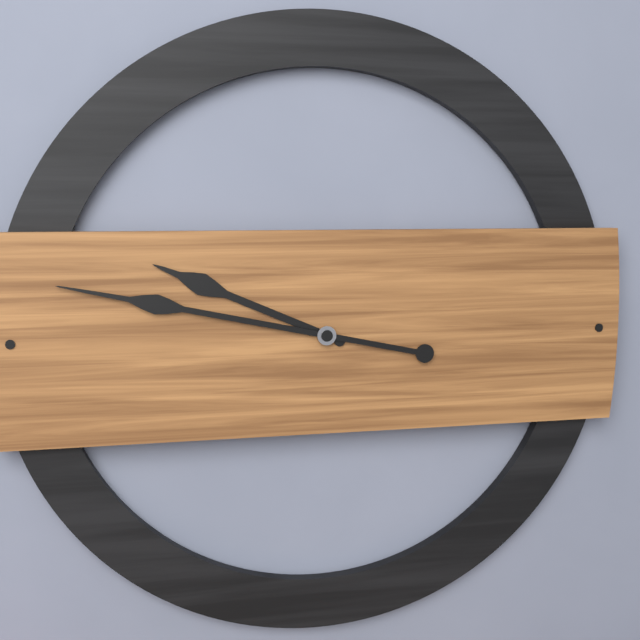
9:47
